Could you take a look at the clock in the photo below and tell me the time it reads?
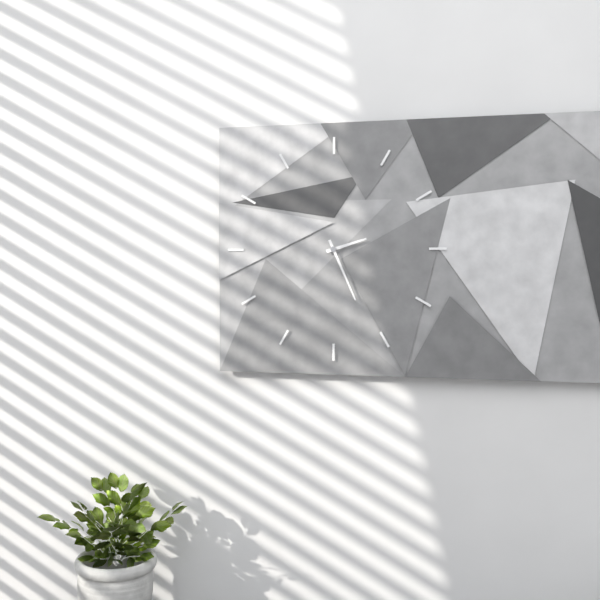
2:26
